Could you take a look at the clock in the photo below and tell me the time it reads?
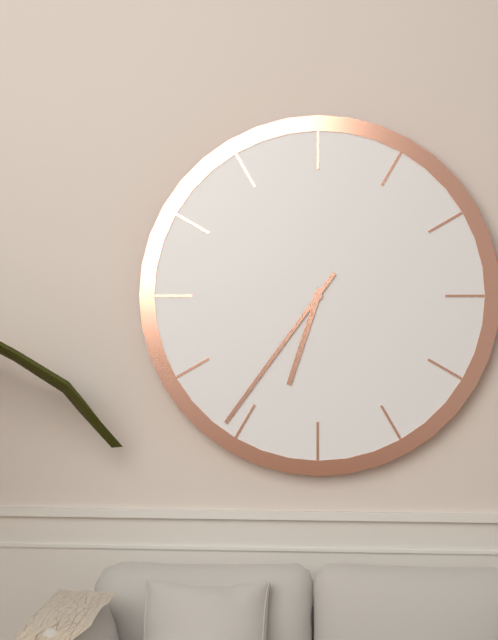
6:36
